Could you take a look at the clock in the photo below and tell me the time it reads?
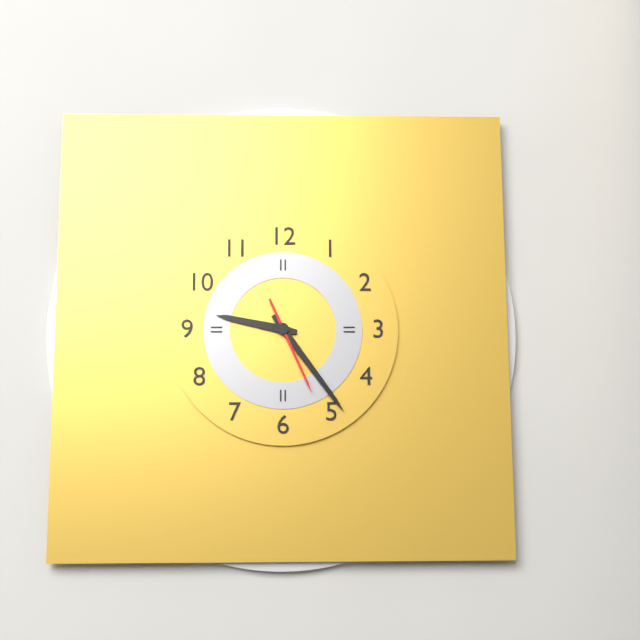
9:24:26
